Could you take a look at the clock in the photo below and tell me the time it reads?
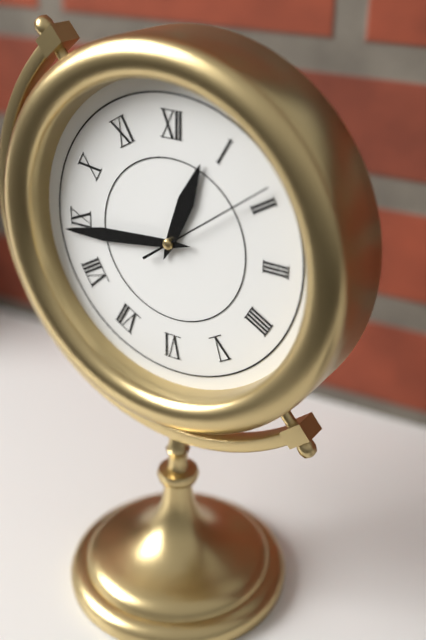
12:44:09
